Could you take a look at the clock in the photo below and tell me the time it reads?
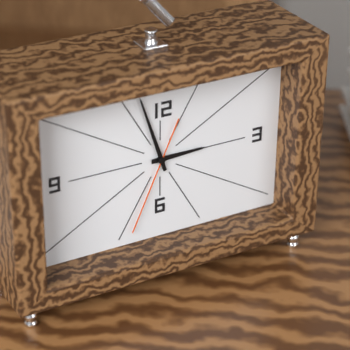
2:57:34
